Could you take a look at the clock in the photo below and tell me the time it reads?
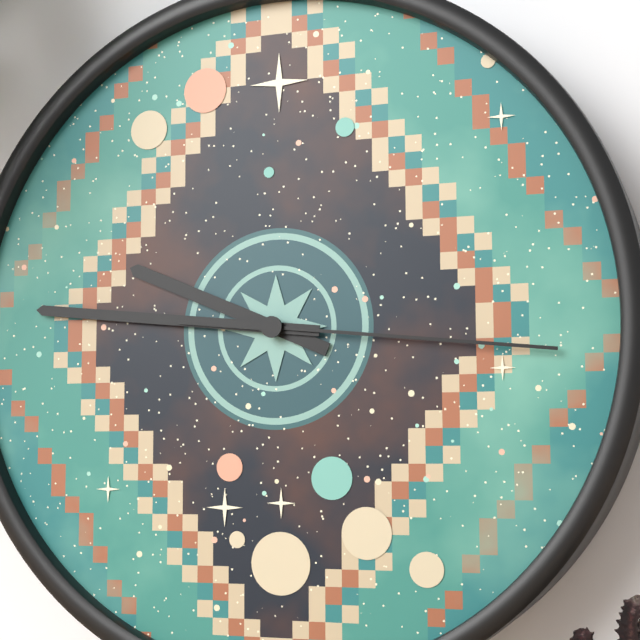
9:46:16
